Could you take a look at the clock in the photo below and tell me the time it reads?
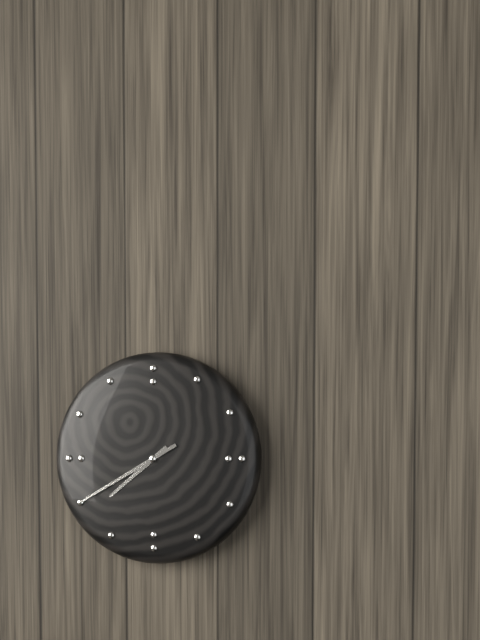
7:40
